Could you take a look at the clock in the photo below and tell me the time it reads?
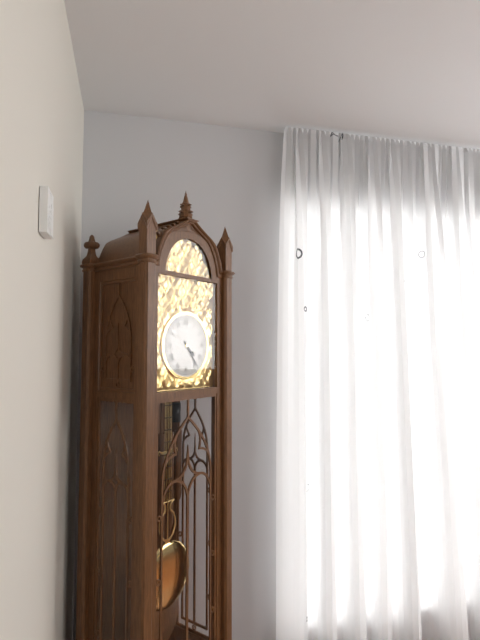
4:24
